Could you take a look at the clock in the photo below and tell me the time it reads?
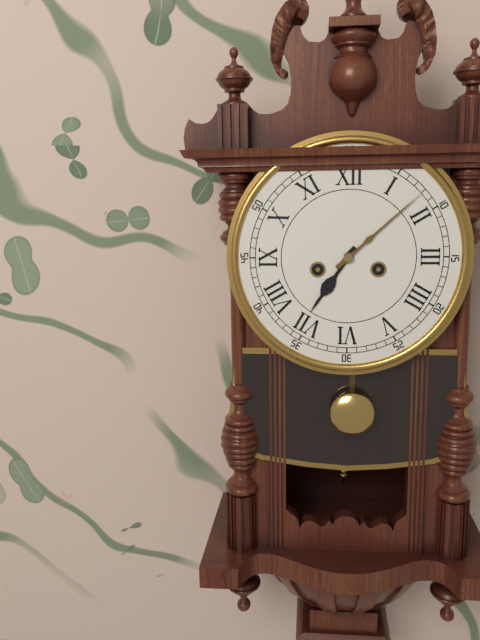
7:08
